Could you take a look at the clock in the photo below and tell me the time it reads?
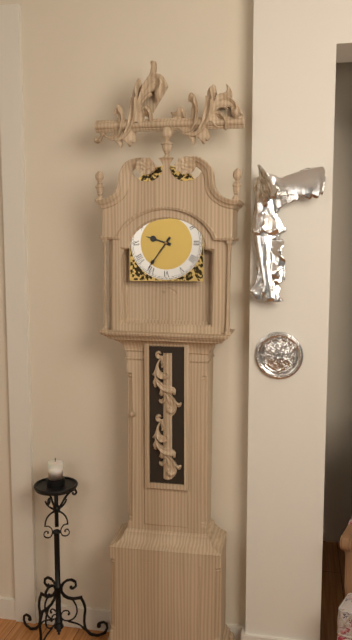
9:36
